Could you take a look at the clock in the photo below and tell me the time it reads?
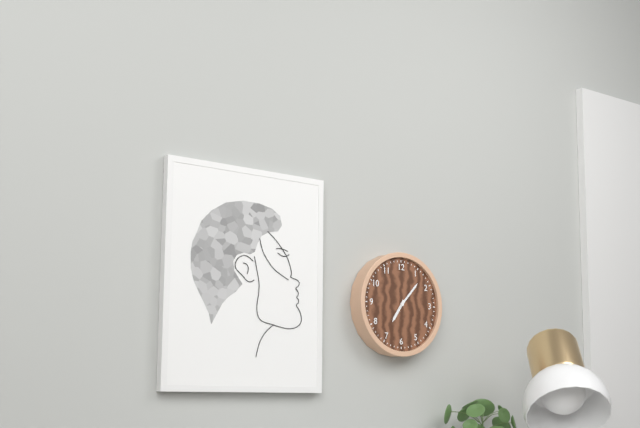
7:07
